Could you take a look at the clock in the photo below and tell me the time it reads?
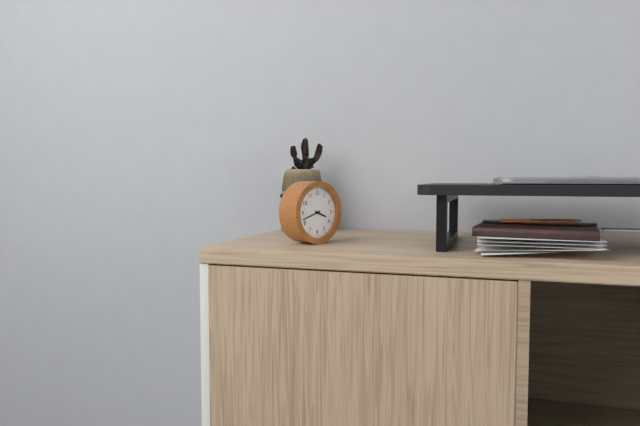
3:42
